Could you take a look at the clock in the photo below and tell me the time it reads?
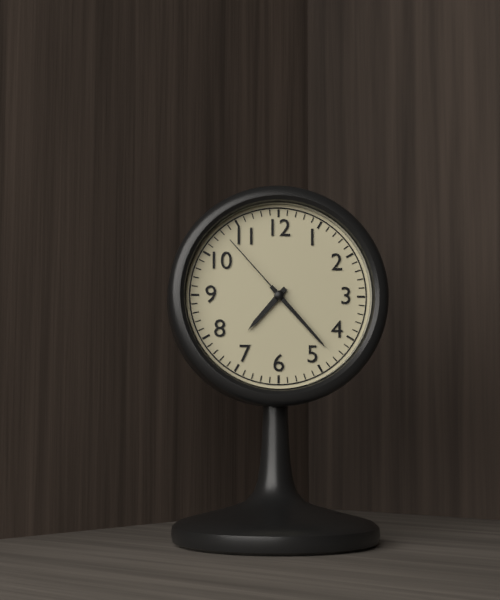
7:23:53
